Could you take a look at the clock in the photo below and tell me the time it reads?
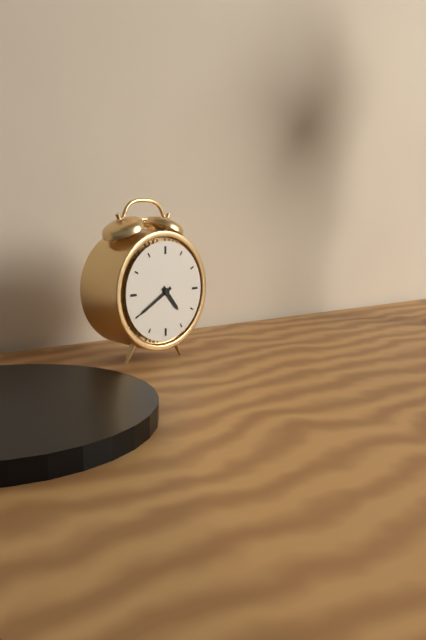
4:40
